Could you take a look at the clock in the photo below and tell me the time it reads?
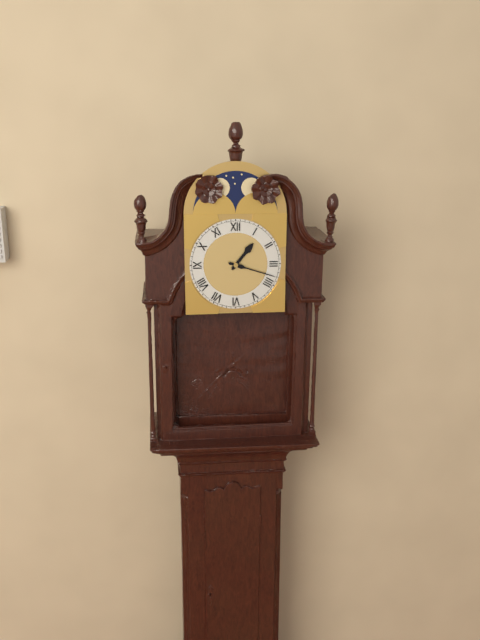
1:18
